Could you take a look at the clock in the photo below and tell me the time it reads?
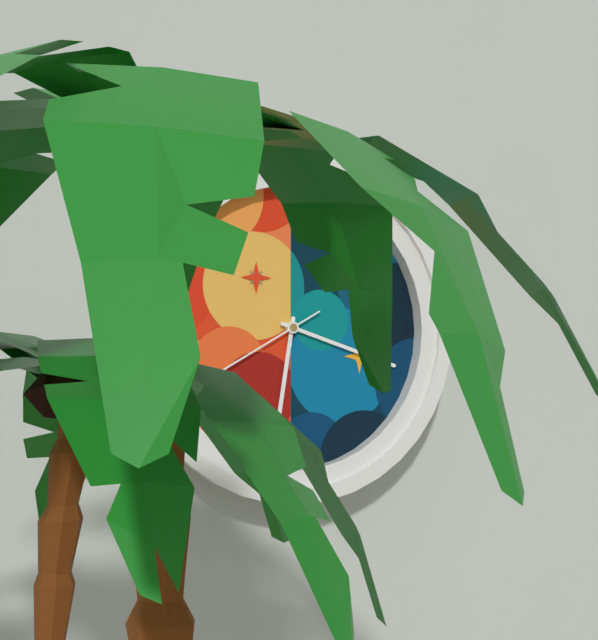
6:18:40
